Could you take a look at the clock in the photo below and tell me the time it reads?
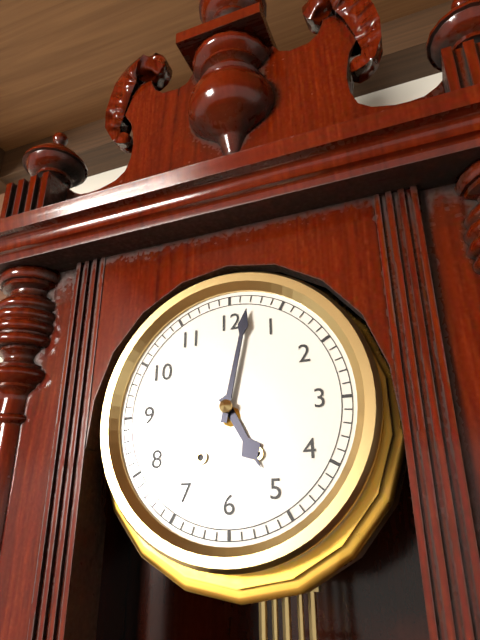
5:02
